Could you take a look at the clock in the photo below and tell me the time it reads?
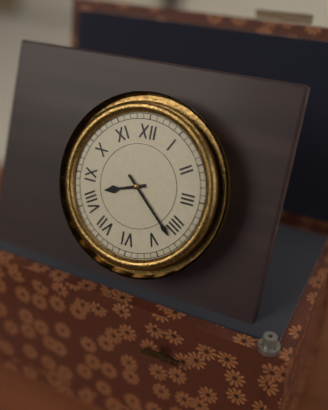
8:22
